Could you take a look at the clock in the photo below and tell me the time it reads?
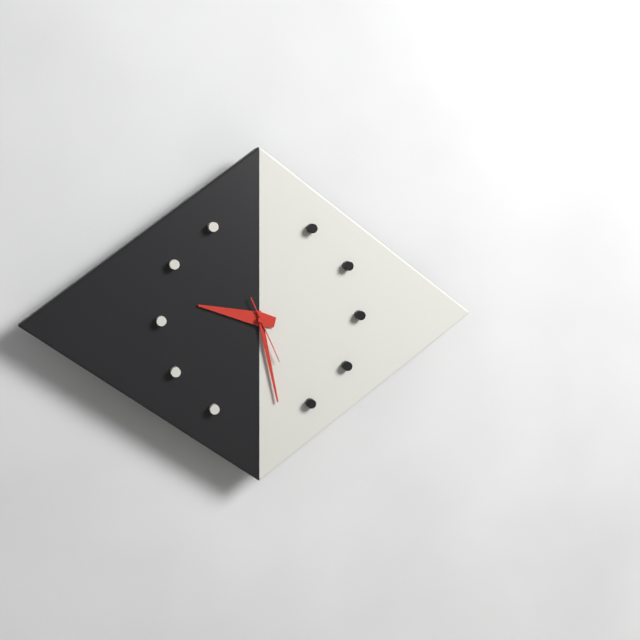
9:28:26
